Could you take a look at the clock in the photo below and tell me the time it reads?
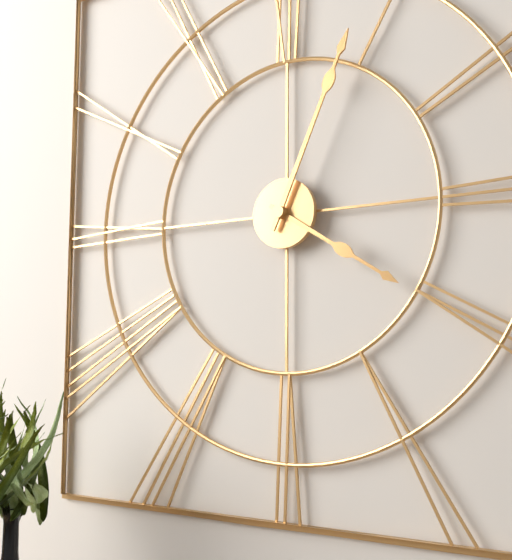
4:04
